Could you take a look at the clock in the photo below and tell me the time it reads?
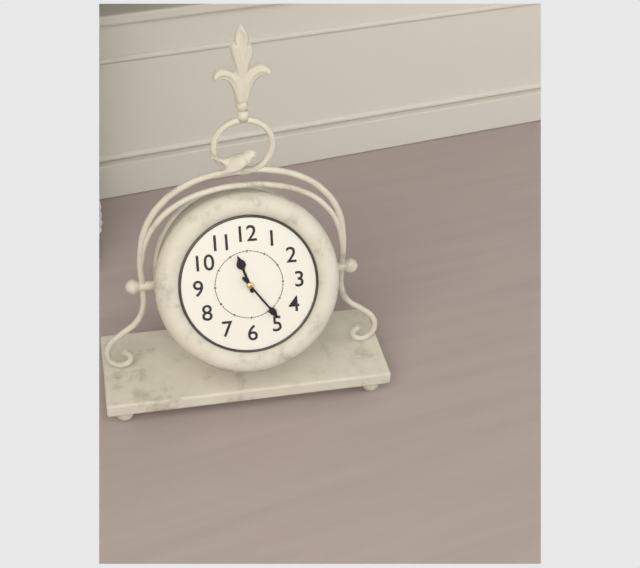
11:24
